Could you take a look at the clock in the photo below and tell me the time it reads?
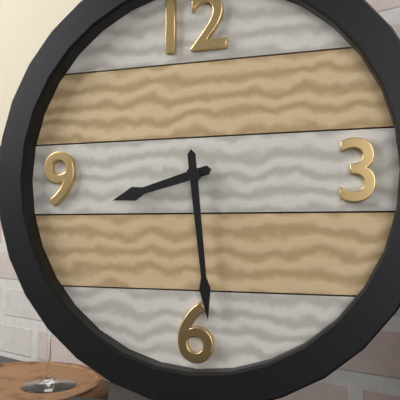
8:29
